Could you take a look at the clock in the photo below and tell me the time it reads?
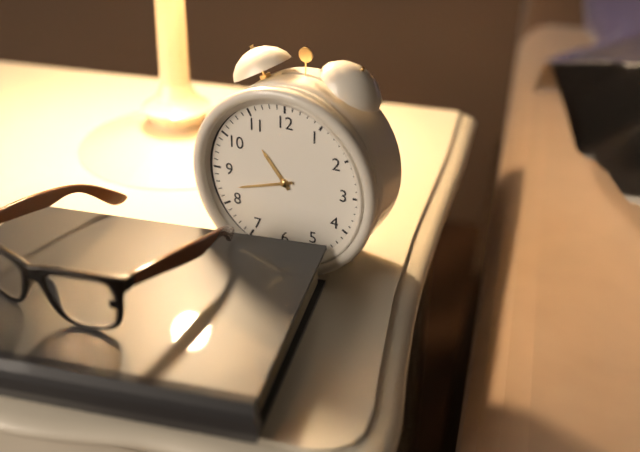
10:42
